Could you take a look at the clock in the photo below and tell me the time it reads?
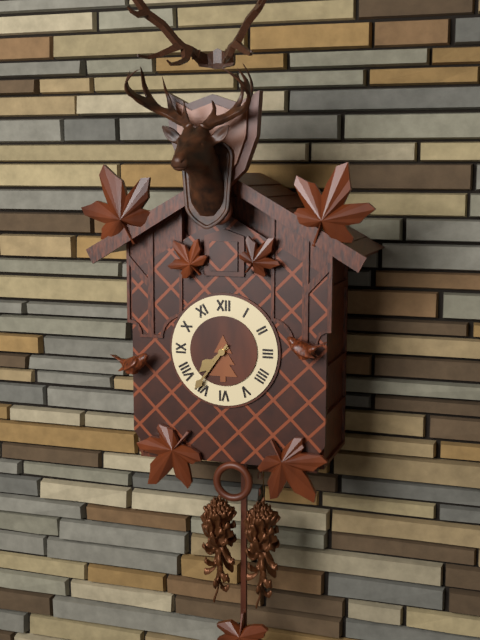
7:36
